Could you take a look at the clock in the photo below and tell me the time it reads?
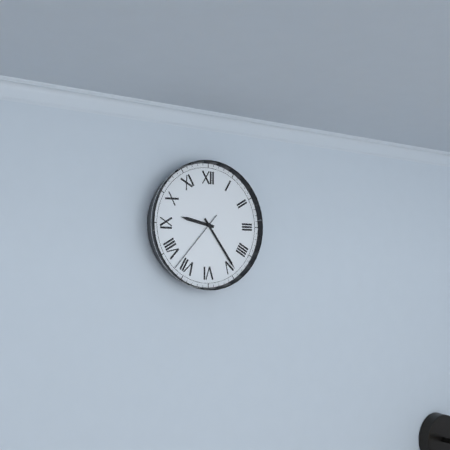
9:24:37
